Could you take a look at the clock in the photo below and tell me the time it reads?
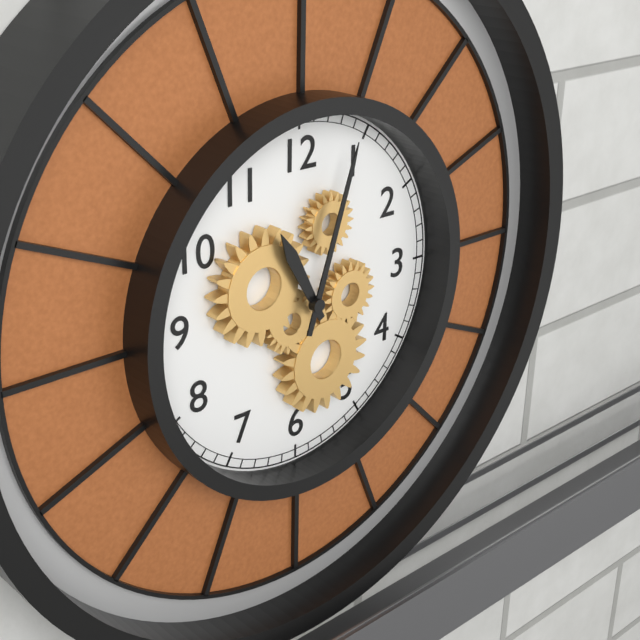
11:03
